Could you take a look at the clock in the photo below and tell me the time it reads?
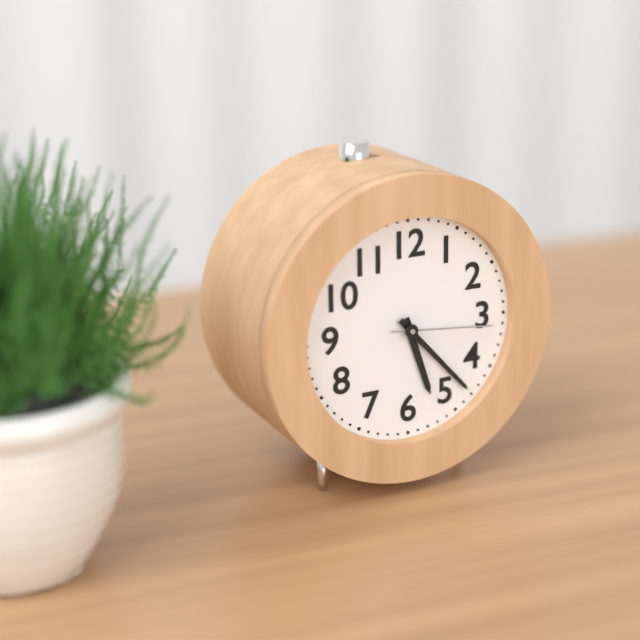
5:23:16
